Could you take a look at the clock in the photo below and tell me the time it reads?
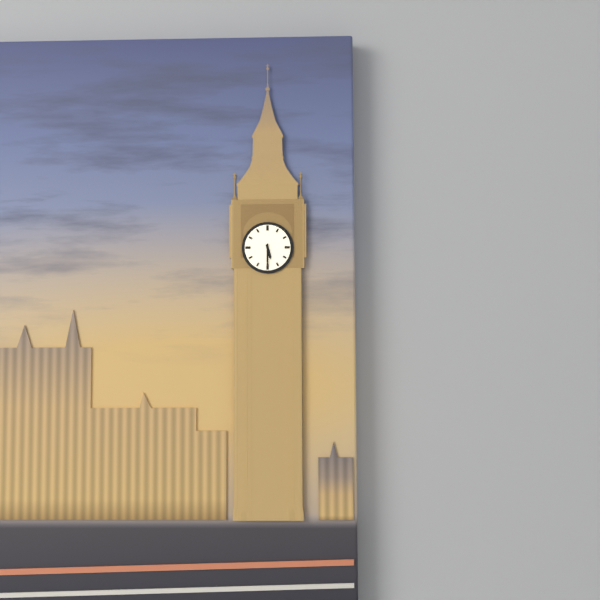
5:30
